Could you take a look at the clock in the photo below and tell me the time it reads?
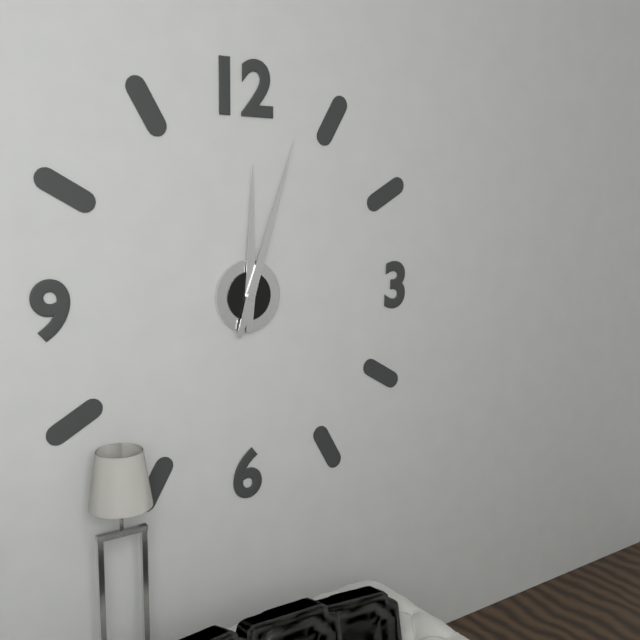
12:03
